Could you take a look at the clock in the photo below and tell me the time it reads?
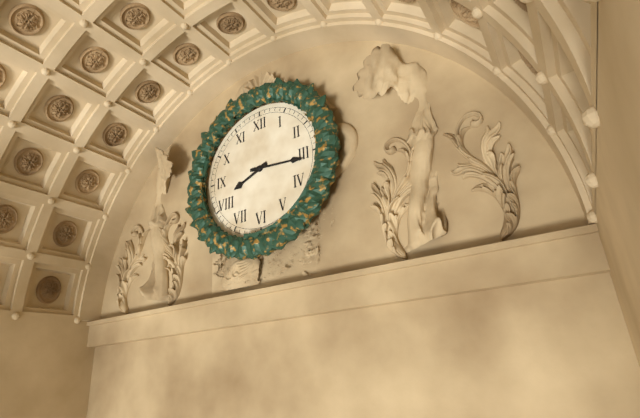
8:16
